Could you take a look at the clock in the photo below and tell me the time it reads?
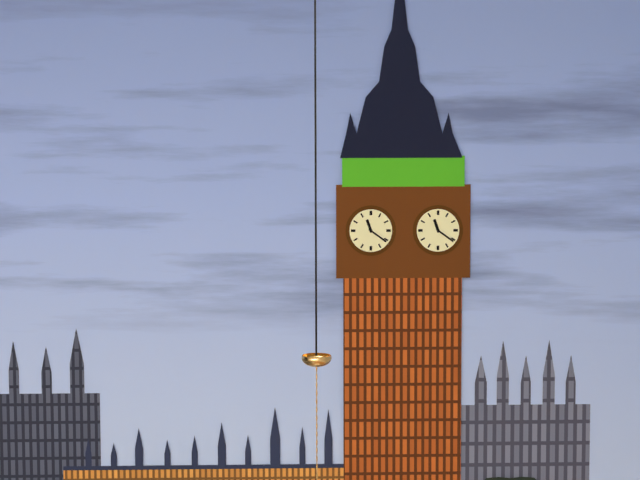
11:21
